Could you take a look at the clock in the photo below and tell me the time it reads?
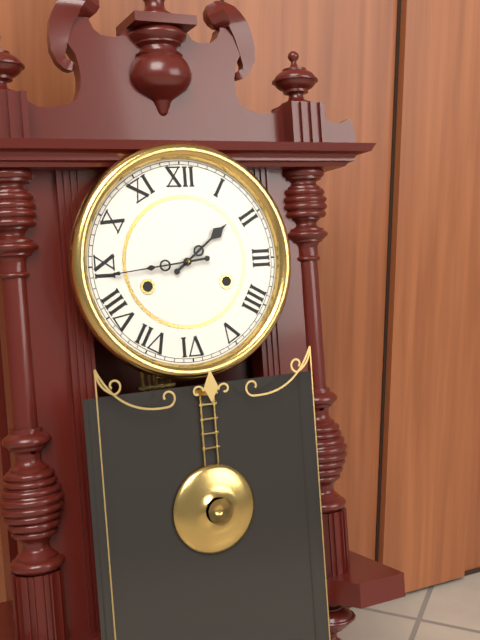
1:44
